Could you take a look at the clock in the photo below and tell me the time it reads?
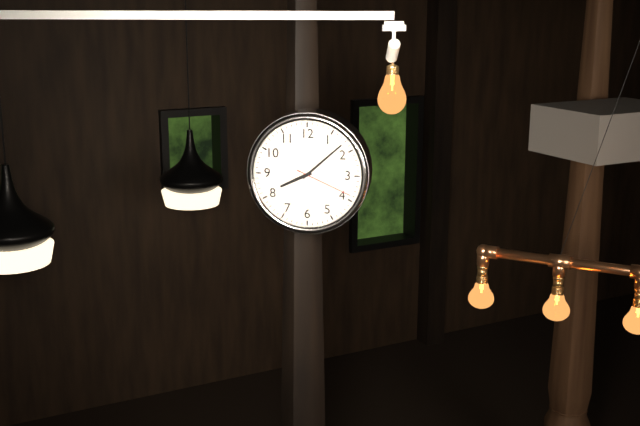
8:08:19
